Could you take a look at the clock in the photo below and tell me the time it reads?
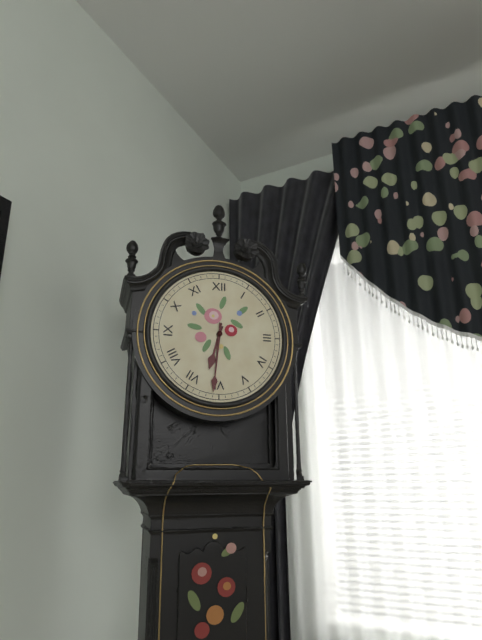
6:31
